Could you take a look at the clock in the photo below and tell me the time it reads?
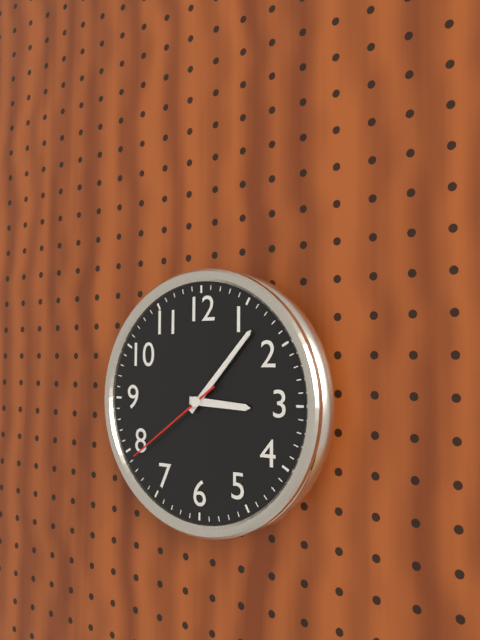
3:07:39
